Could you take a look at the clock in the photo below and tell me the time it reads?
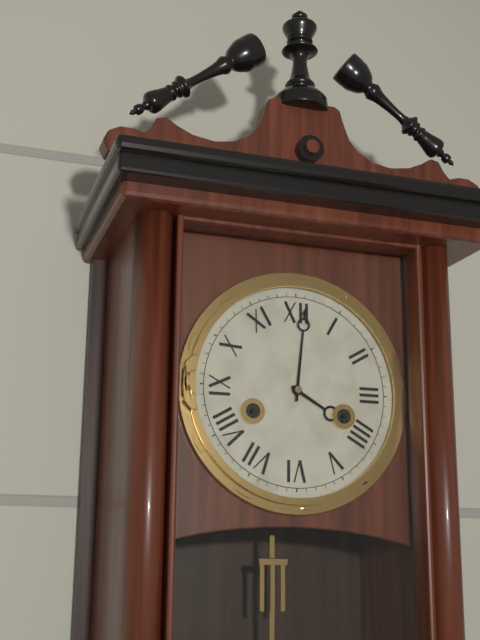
4:01
